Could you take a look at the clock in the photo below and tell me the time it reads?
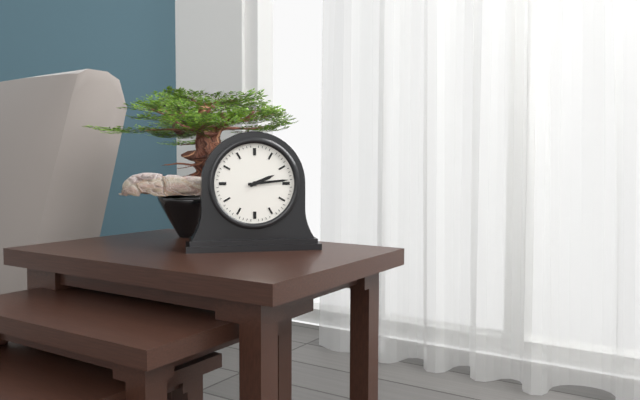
2:14
